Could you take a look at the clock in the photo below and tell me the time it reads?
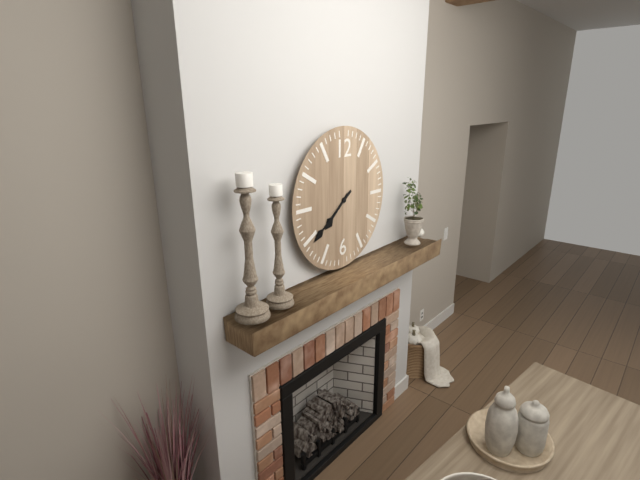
7:39
